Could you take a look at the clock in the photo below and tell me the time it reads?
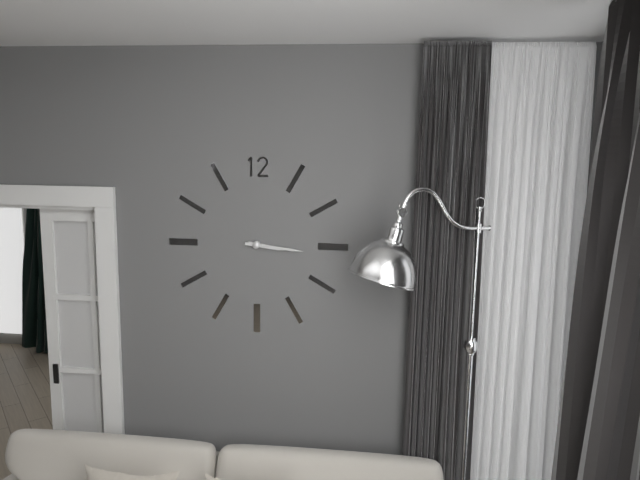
3:16
